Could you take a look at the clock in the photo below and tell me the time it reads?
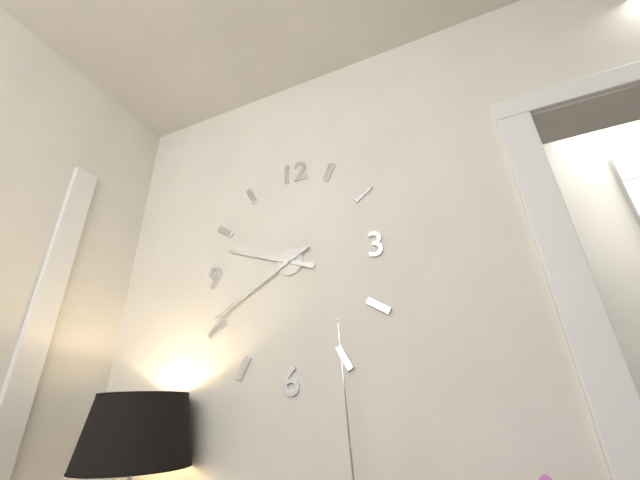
9:40
